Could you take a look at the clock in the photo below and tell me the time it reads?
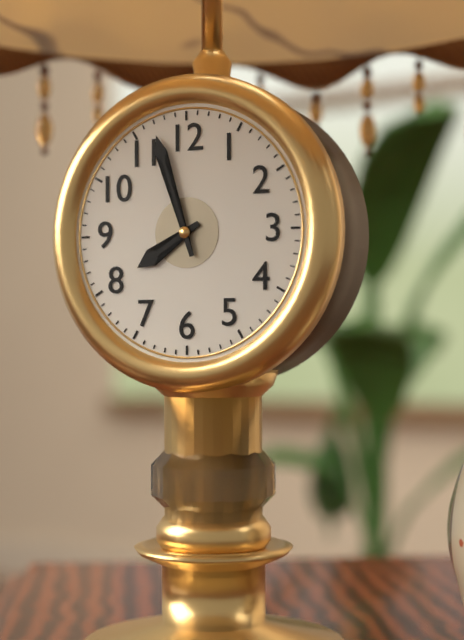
7:57
